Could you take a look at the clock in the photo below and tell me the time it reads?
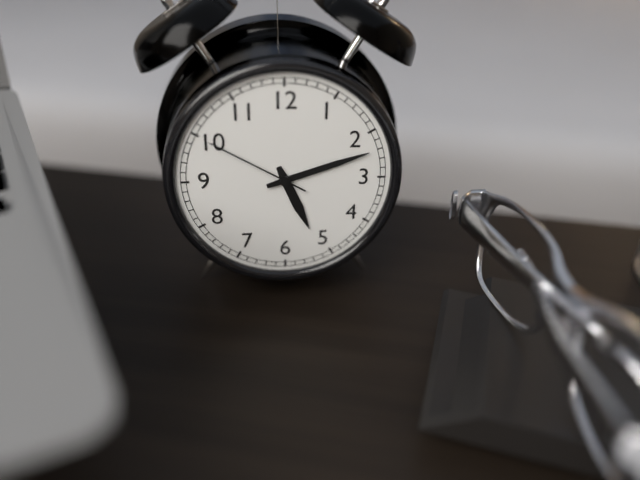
5:12:50
